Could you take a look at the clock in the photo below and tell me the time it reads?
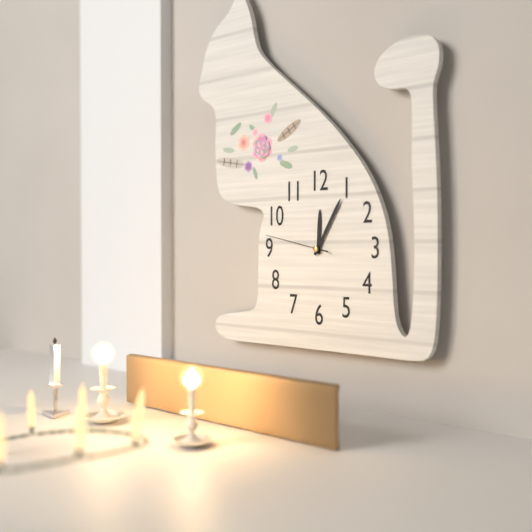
12:05:47
